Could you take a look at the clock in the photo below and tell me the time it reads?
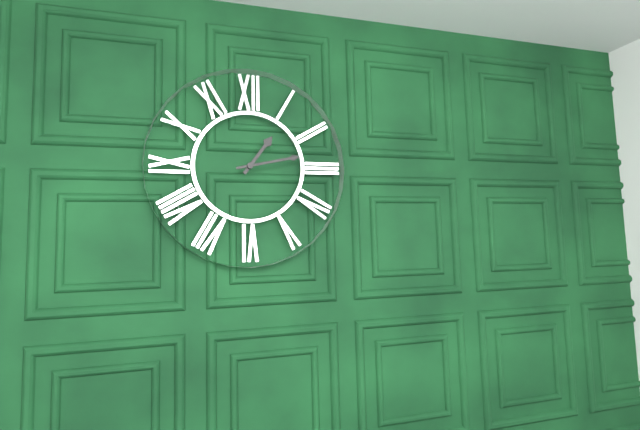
1:13
